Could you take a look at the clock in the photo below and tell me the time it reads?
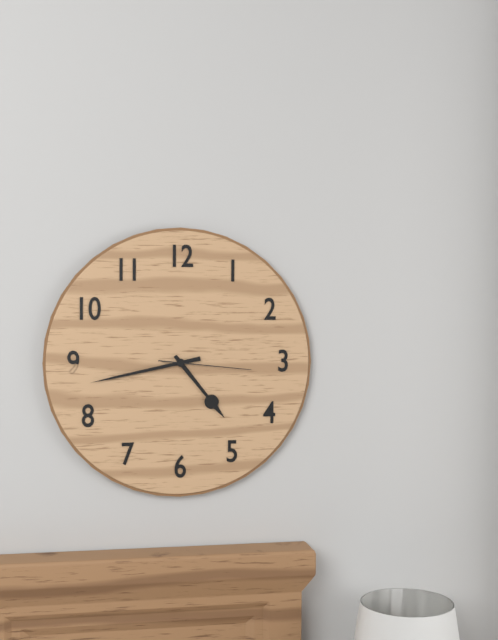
4:43:16
